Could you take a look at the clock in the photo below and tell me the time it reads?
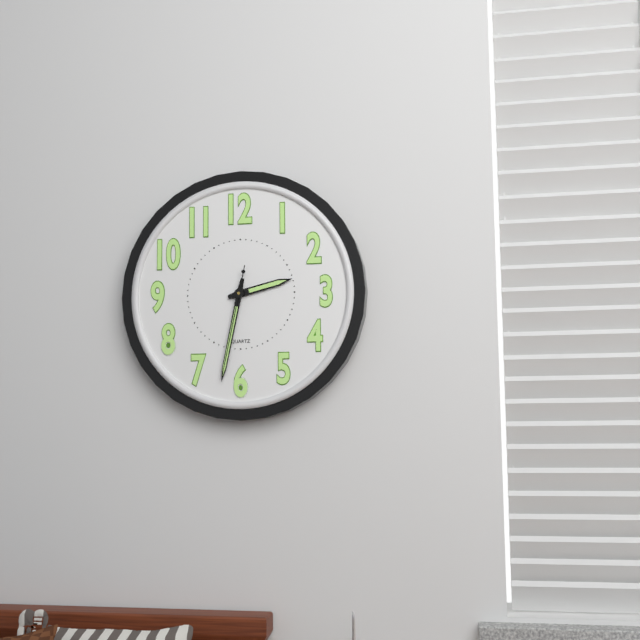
2:32:32
